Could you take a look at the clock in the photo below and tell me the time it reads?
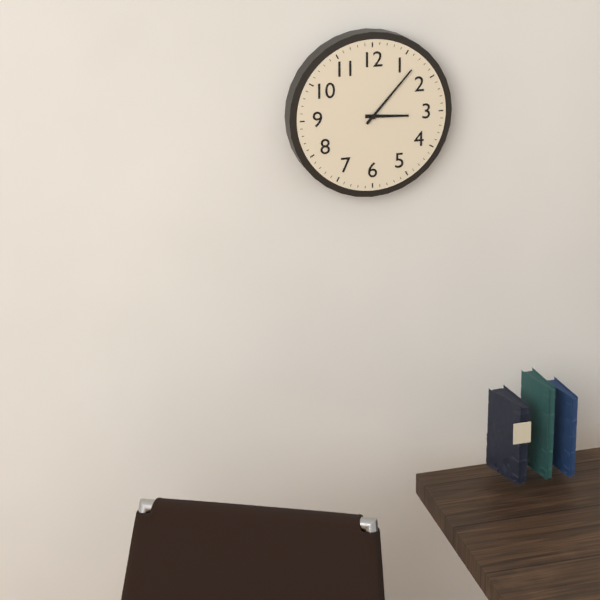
3:07
